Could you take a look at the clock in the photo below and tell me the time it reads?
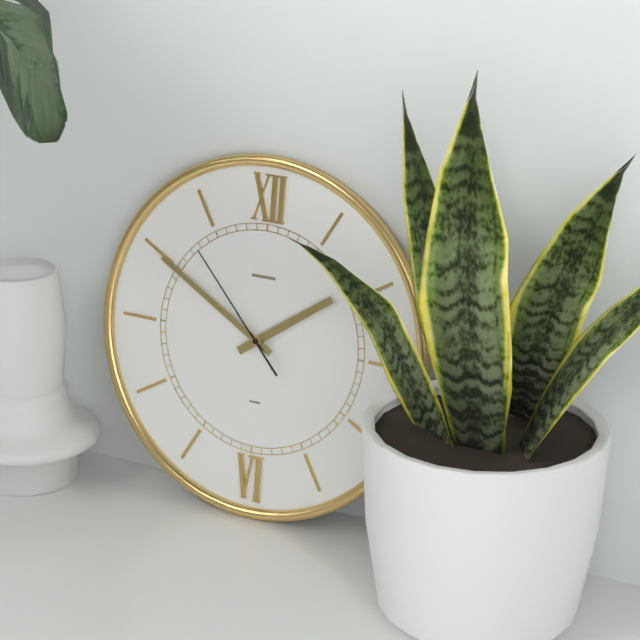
1:50:53
